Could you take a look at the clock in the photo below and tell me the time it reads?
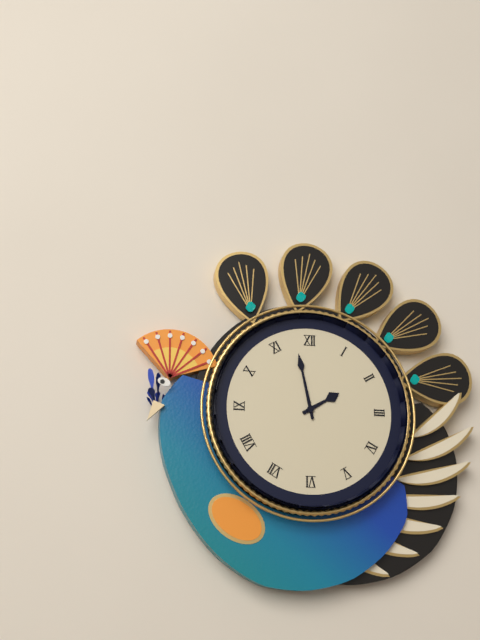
1:58
